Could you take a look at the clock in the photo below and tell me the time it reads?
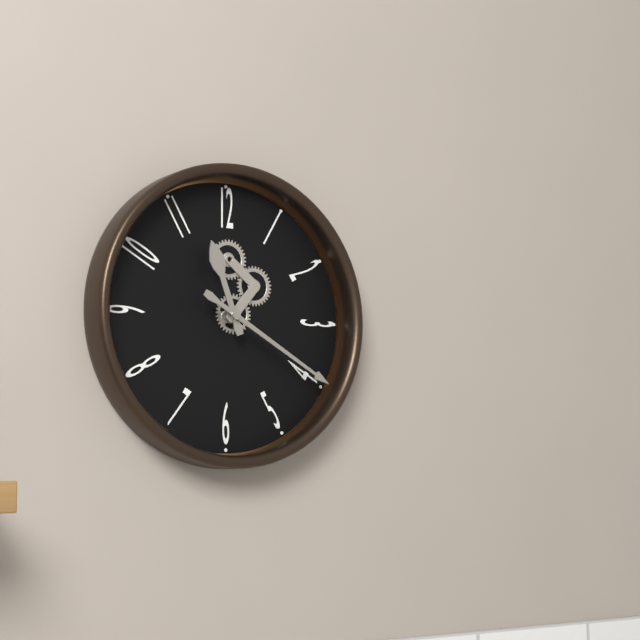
11:20
